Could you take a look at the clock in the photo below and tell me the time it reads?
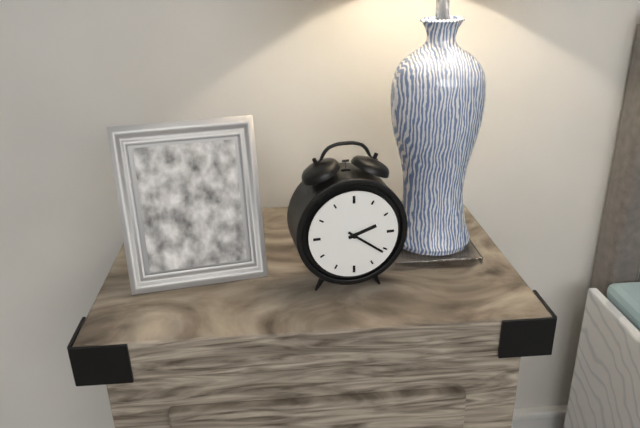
2:21
